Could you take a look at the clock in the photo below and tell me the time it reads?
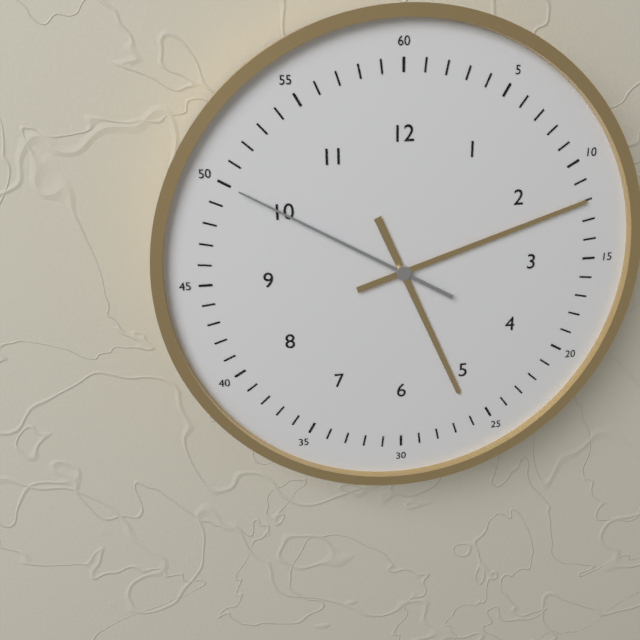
5:12:50
